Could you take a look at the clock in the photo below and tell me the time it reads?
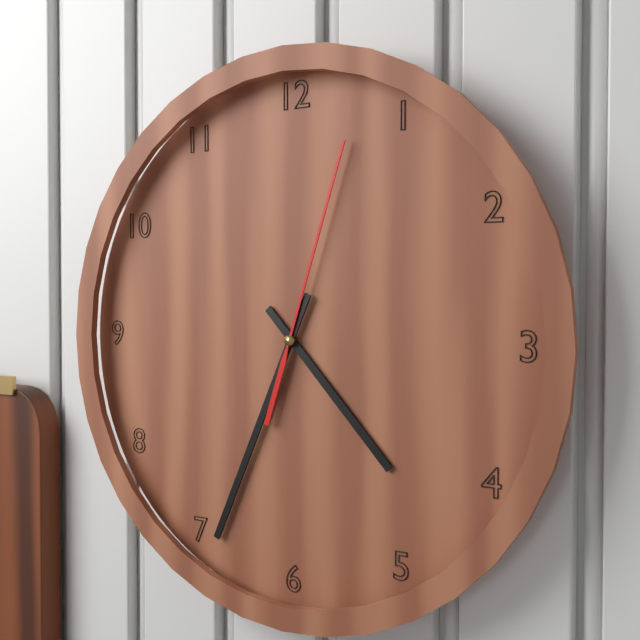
4:34:03
